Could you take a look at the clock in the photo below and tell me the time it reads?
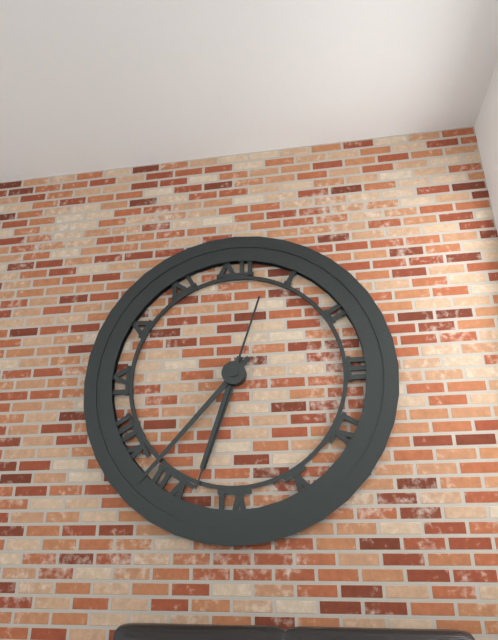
6:37:33
